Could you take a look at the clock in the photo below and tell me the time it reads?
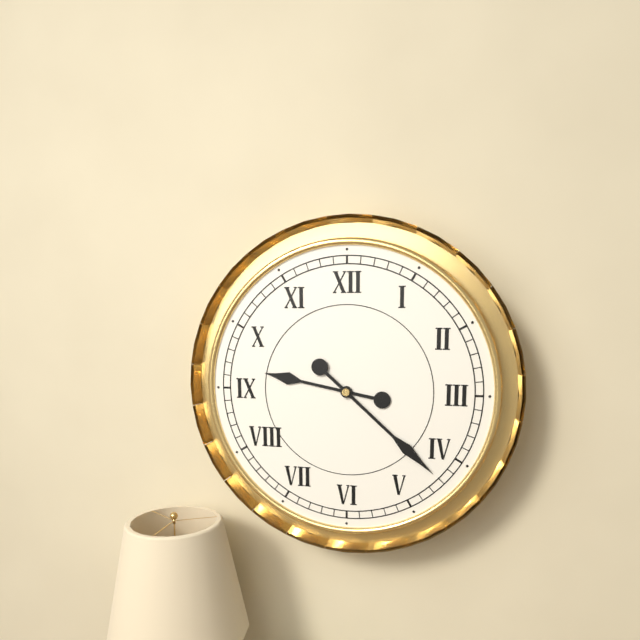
9:22
